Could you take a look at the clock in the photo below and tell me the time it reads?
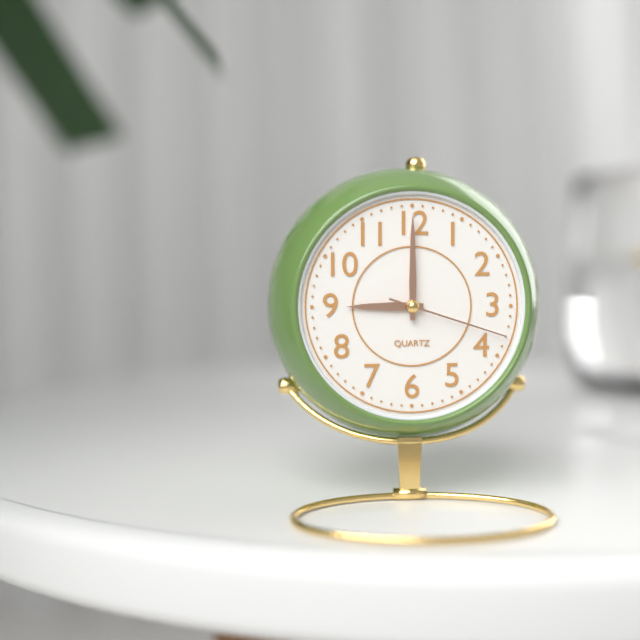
9:00:18
